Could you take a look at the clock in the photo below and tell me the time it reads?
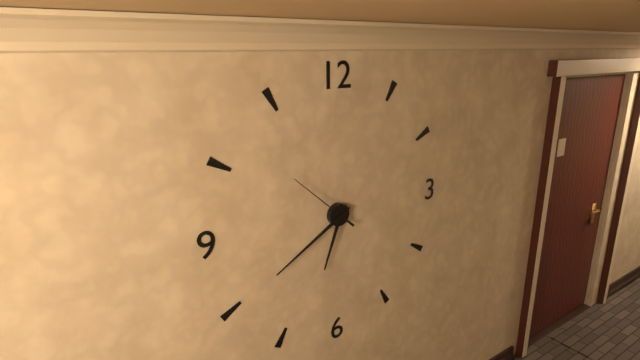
6:40:52
